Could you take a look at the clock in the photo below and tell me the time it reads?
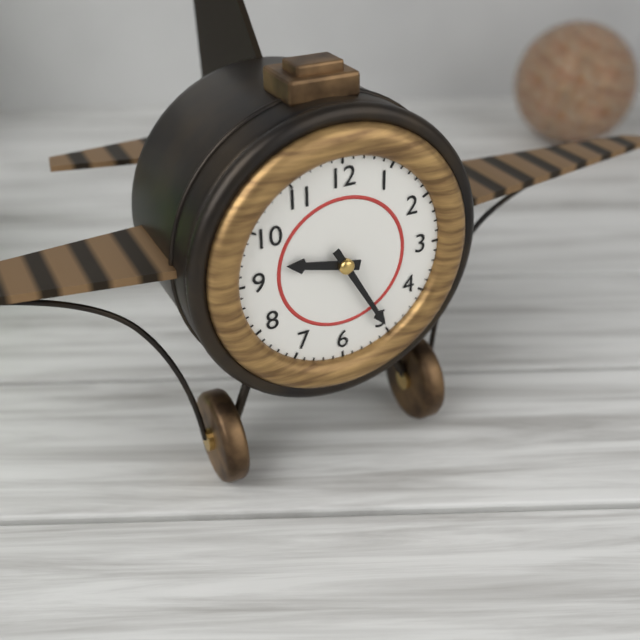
9:25
